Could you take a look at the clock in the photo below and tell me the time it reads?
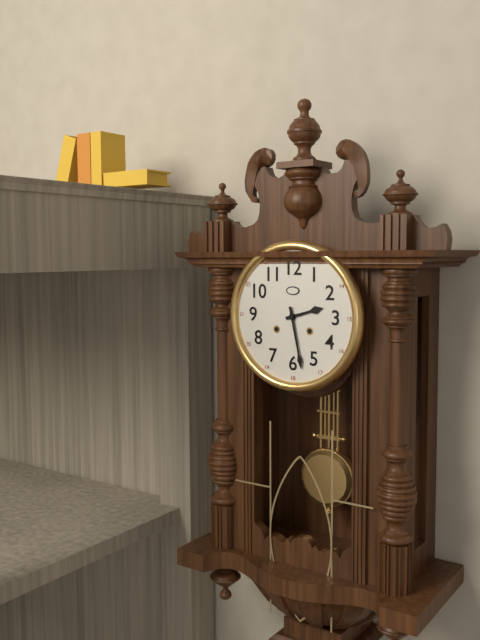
2:28
